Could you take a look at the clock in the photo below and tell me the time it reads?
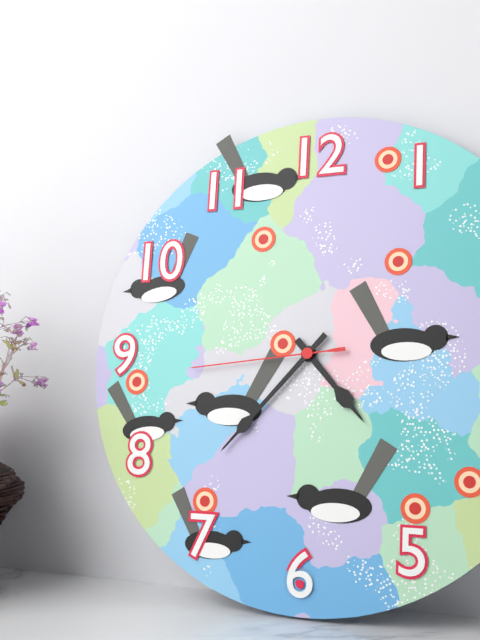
4:37:44
